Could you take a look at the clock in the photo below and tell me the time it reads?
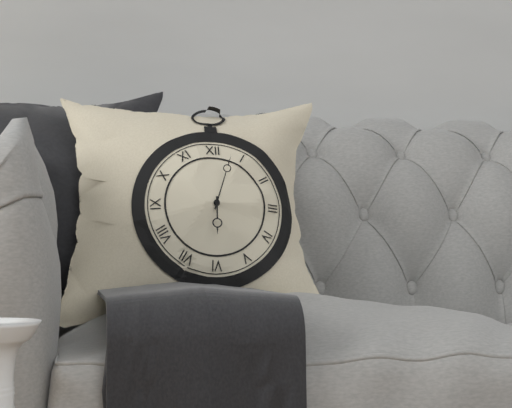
6:03
